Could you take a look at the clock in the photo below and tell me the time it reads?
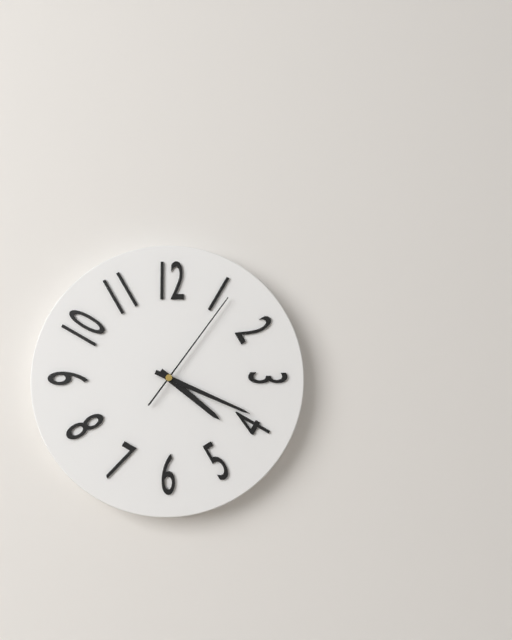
4:19:06
